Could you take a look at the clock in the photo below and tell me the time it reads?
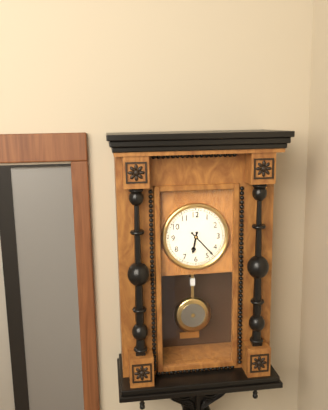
6:23
